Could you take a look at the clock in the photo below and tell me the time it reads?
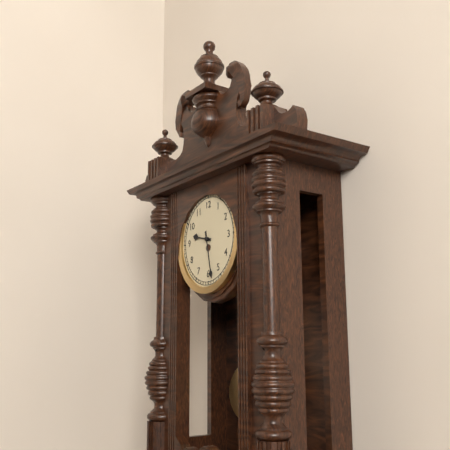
9:28
